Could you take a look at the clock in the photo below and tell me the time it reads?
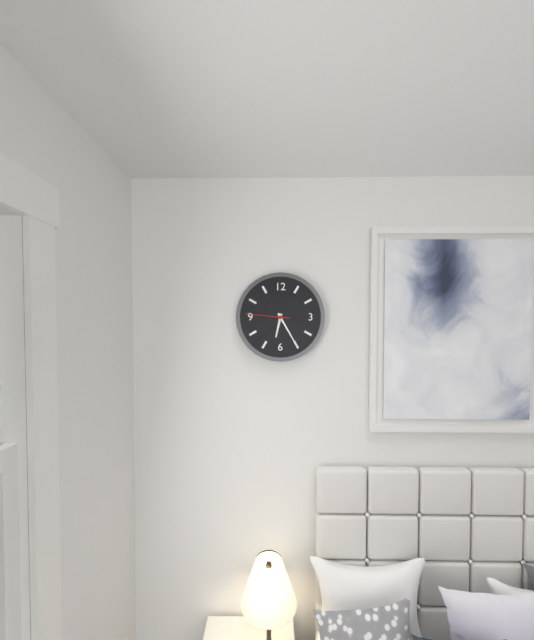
6:25
